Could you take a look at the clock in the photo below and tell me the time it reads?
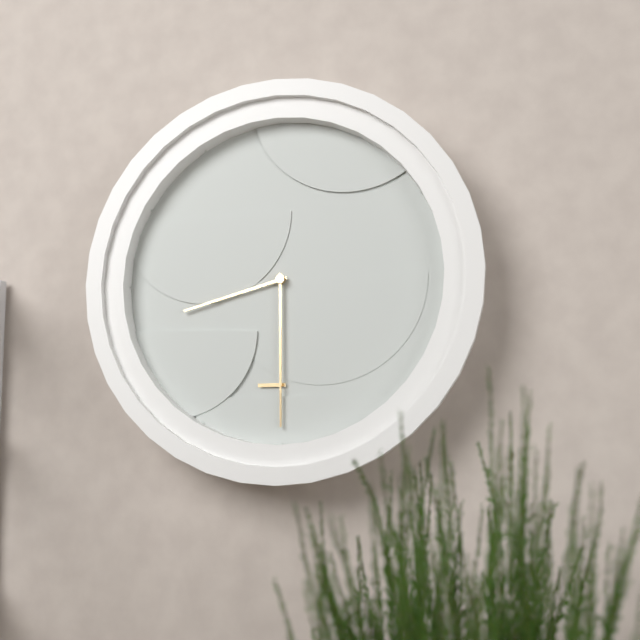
8:30
